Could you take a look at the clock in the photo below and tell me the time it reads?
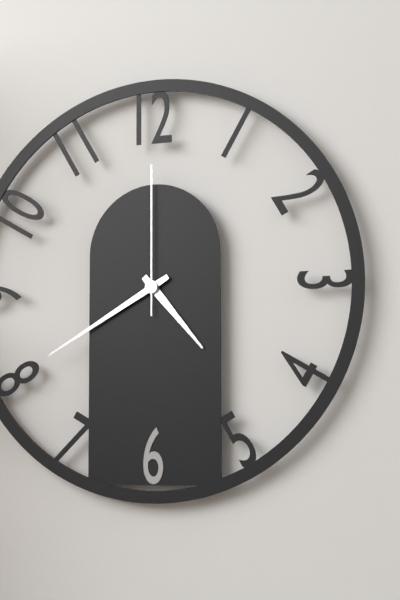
4:40:00
